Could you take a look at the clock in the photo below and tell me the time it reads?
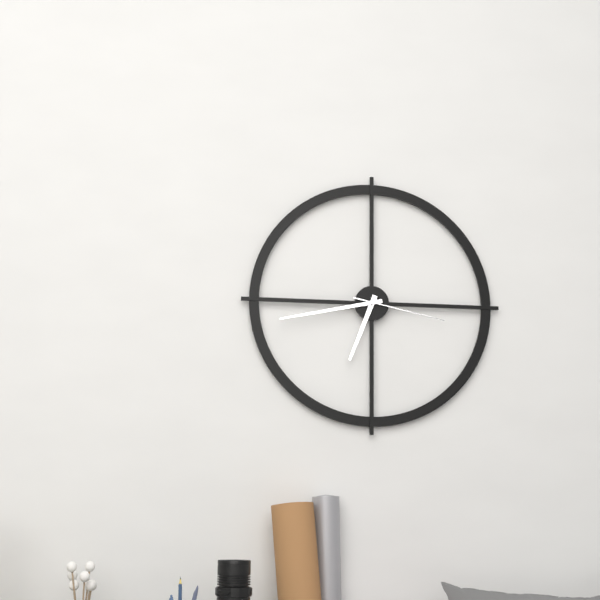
6:43:17
